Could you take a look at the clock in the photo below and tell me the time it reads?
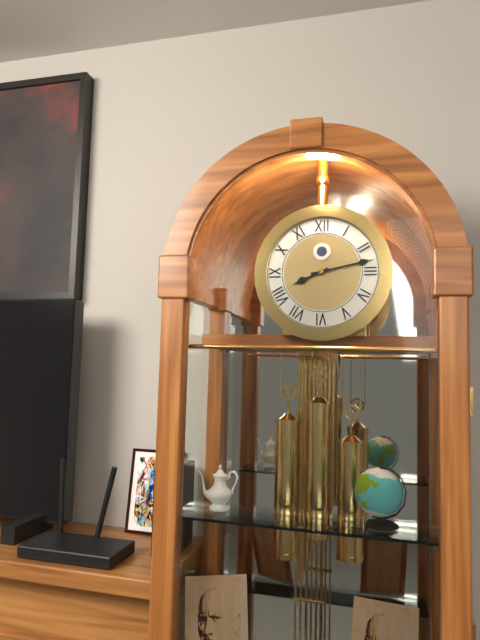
8:13
